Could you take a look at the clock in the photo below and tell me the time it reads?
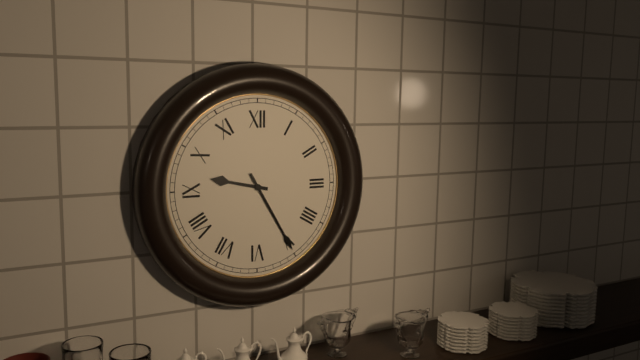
9:25
